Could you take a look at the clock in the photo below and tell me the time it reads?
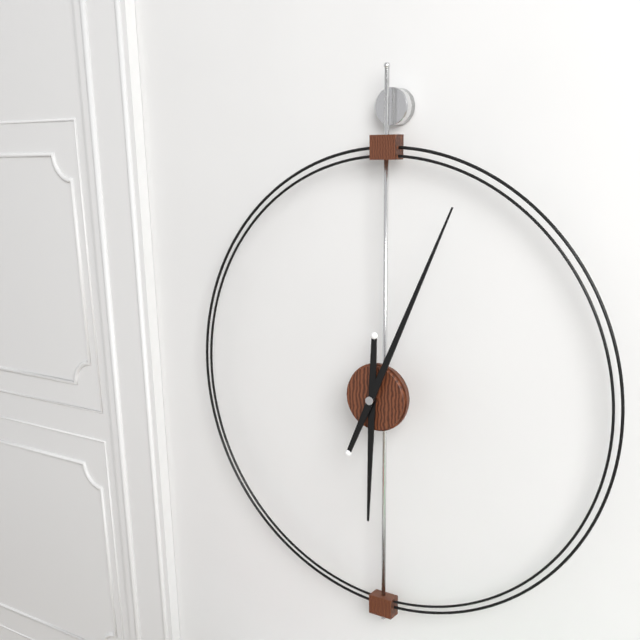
6:04
